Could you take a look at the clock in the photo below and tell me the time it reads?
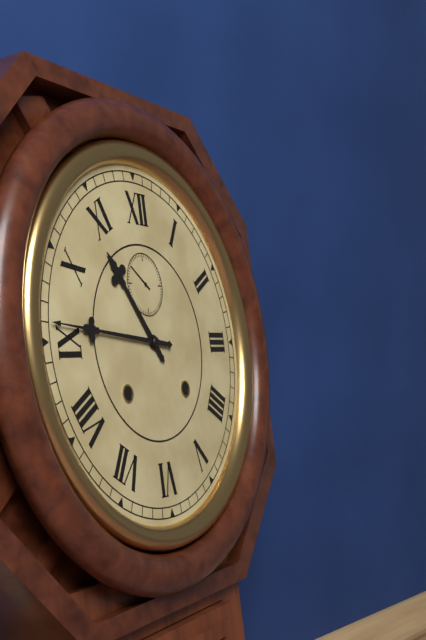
10:46
